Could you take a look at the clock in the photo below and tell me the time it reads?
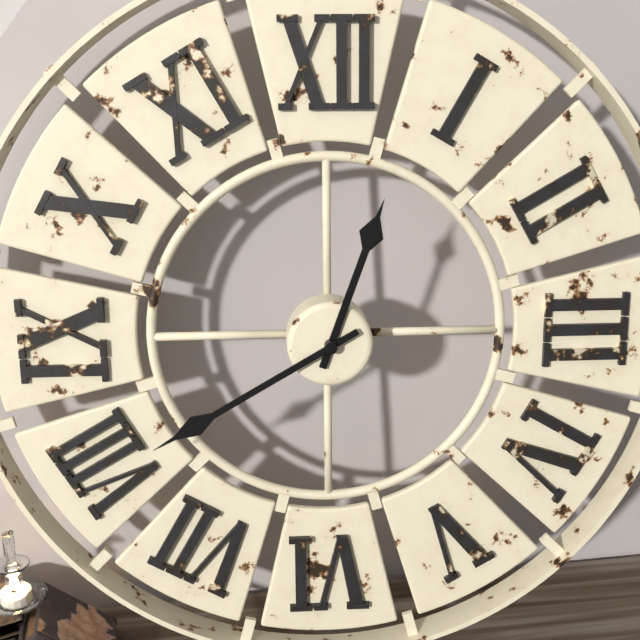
12:40
